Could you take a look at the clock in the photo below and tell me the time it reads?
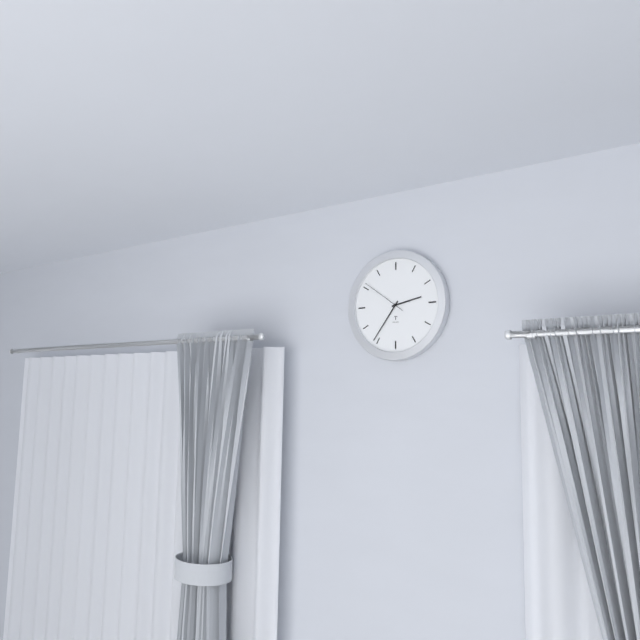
2:36
